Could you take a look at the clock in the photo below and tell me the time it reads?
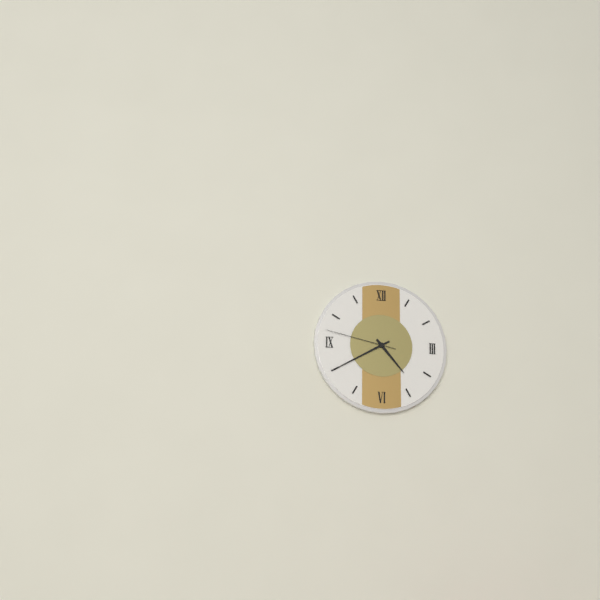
4:40:47
